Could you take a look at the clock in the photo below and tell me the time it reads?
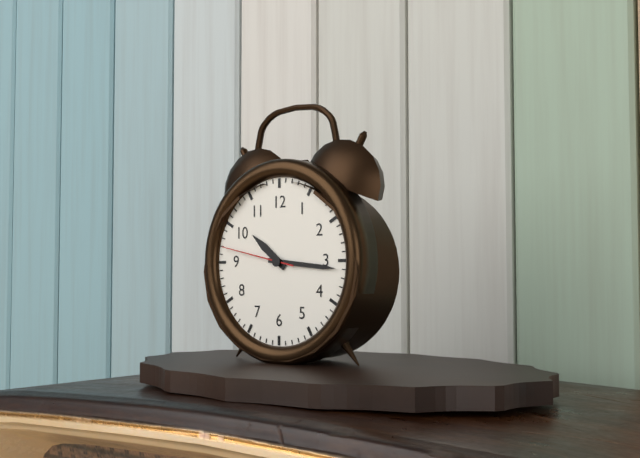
10:16:47
